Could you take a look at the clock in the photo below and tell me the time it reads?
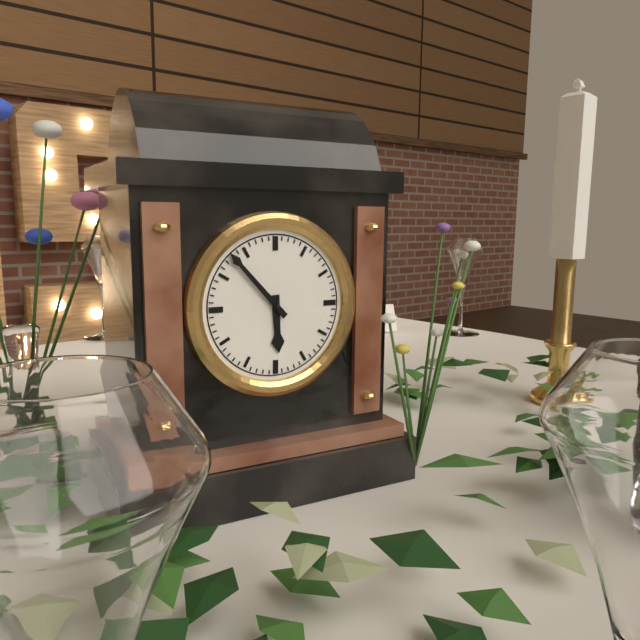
5:53
